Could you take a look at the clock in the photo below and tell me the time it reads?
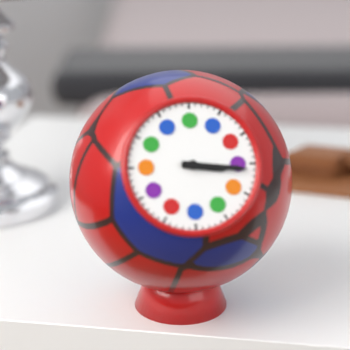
3:16
